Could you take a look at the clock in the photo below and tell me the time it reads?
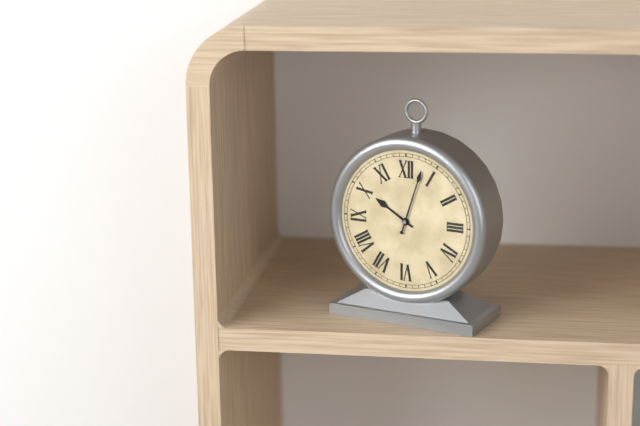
10:03
